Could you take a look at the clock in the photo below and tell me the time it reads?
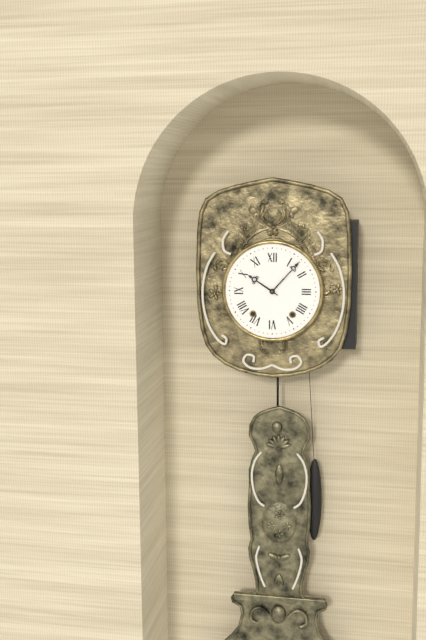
10:07
